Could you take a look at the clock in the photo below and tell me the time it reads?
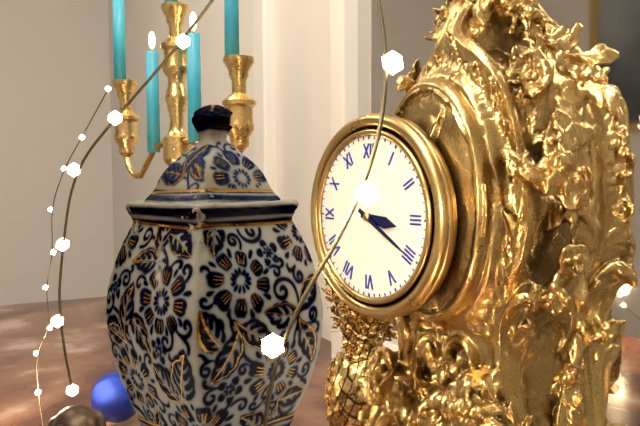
3:20
